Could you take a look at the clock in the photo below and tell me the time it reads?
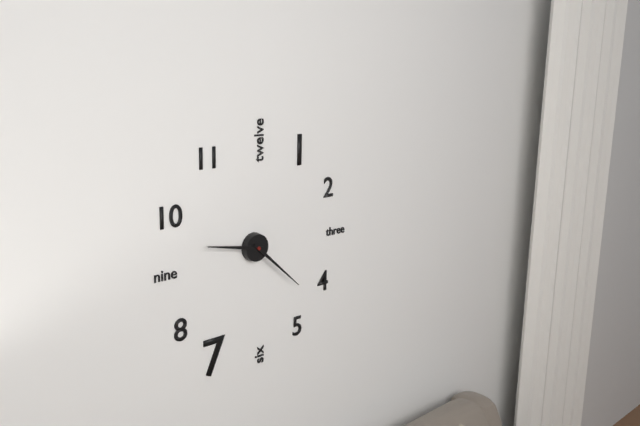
9:22
